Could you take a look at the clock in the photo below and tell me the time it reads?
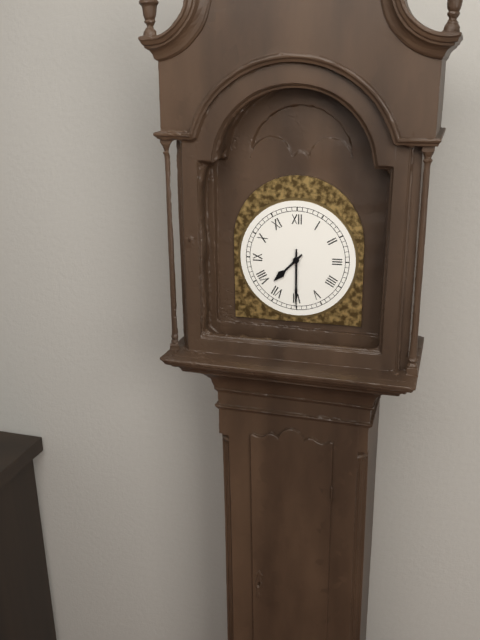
7:30
